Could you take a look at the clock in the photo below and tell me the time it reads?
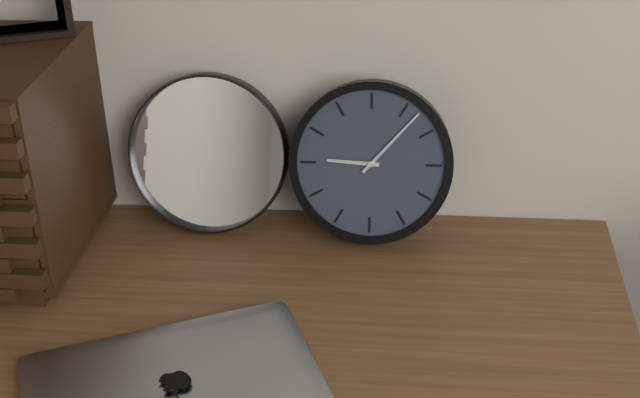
9:07
